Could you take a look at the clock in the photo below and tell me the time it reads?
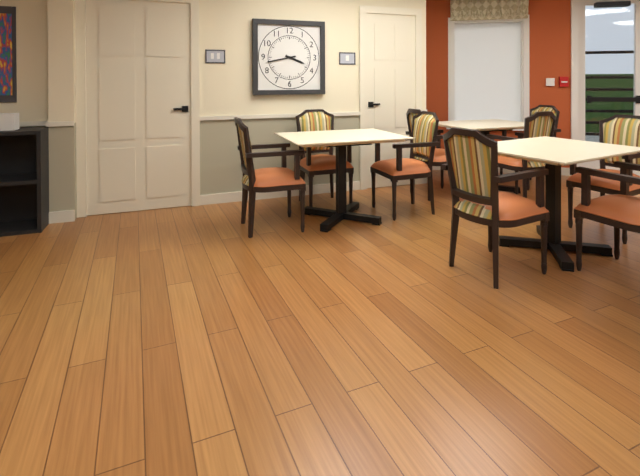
3:43
